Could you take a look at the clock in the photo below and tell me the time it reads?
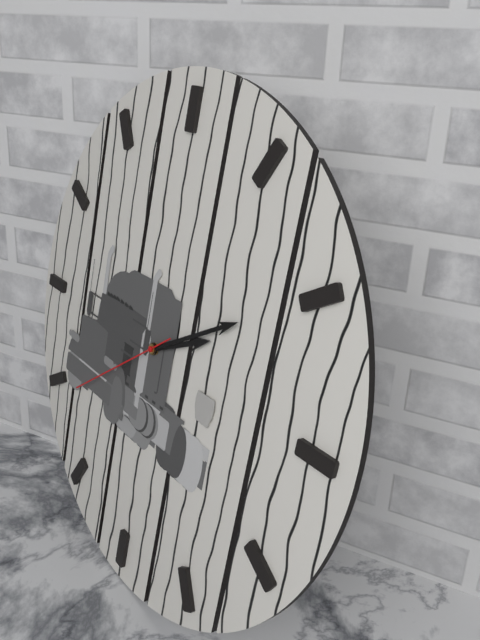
2:10:39
